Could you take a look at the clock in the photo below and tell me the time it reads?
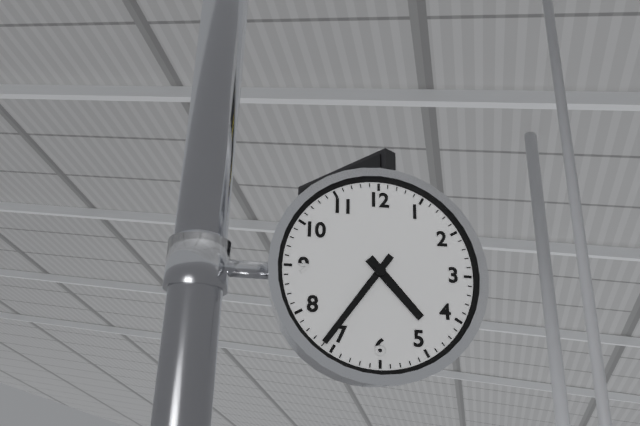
4:36
